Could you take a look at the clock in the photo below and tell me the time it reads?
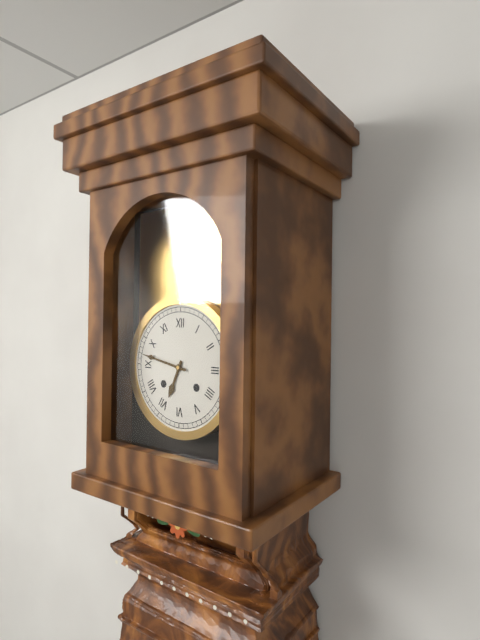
6:47
